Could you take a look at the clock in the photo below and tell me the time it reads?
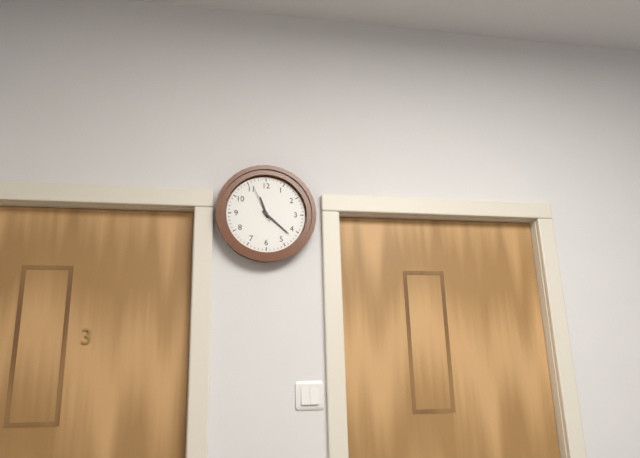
11:22
